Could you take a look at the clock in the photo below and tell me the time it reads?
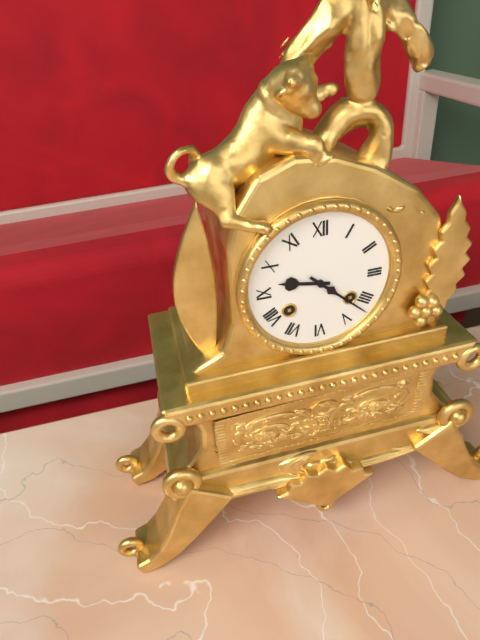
9:22
